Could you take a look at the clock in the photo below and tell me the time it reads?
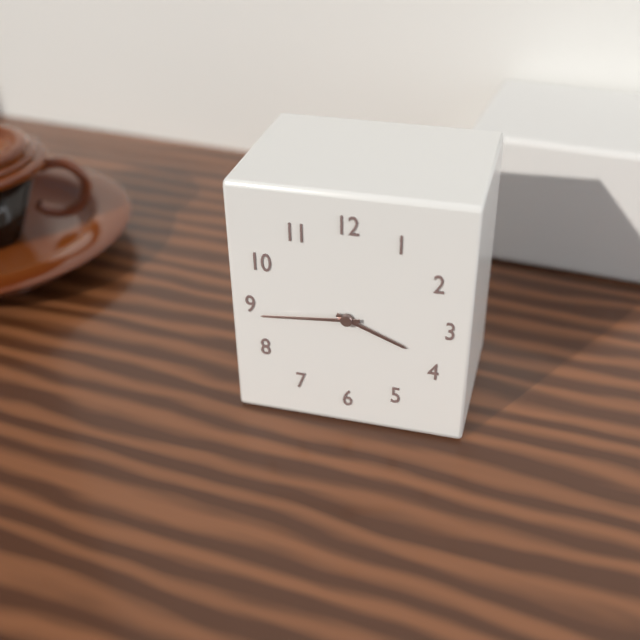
3:44
